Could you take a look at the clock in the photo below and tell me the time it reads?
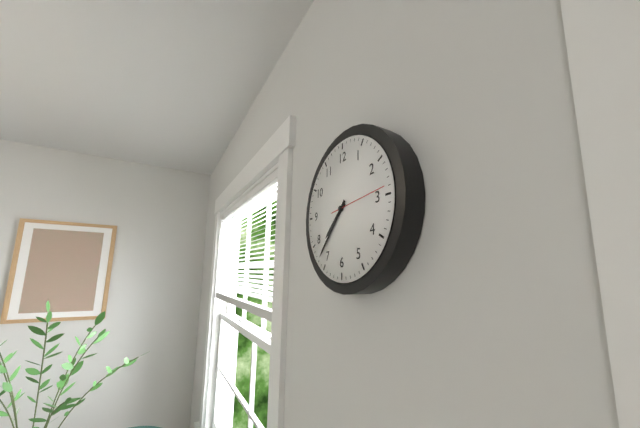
7:37:14
